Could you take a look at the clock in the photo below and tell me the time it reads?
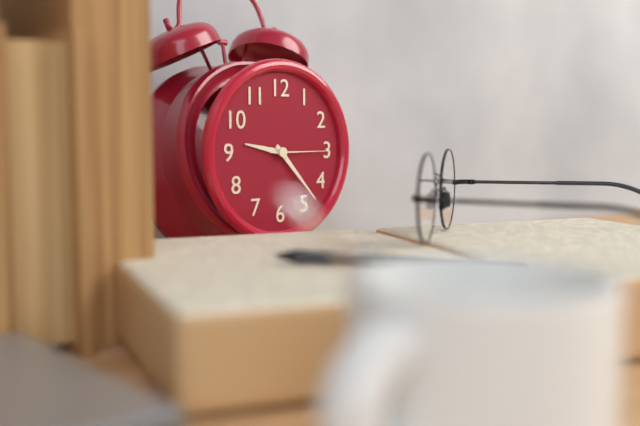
9:23:15
